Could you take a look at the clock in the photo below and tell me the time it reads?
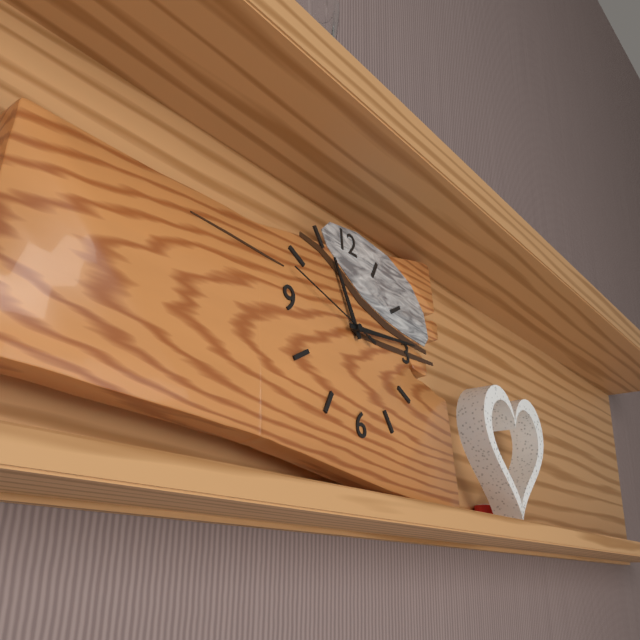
11:14:48
